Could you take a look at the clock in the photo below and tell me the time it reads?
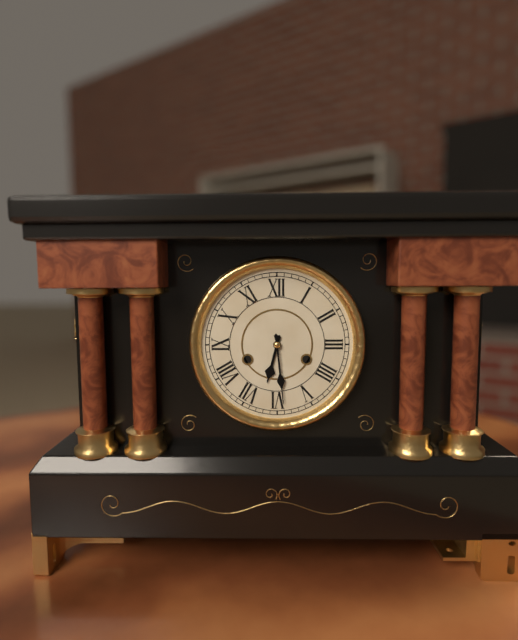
6:29
